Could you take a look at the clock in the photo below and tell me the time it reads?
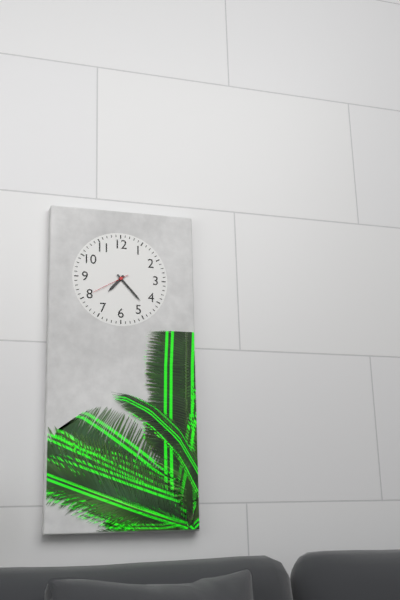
7:23
